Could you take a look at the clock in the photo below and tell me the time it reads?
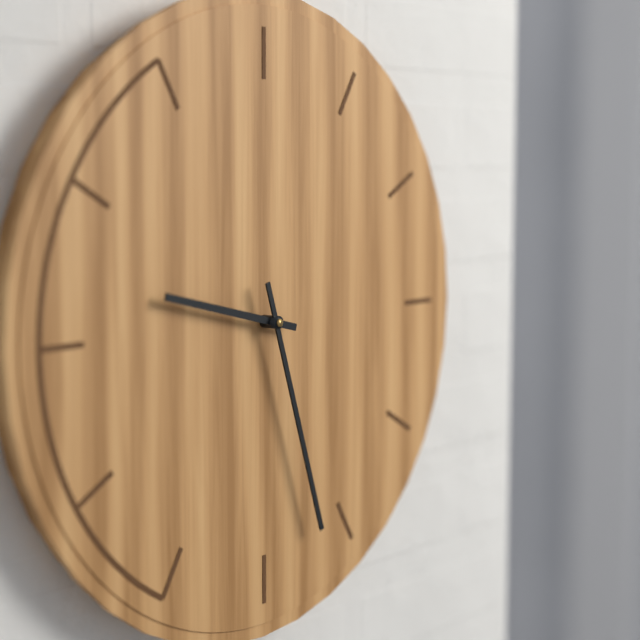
9:27
